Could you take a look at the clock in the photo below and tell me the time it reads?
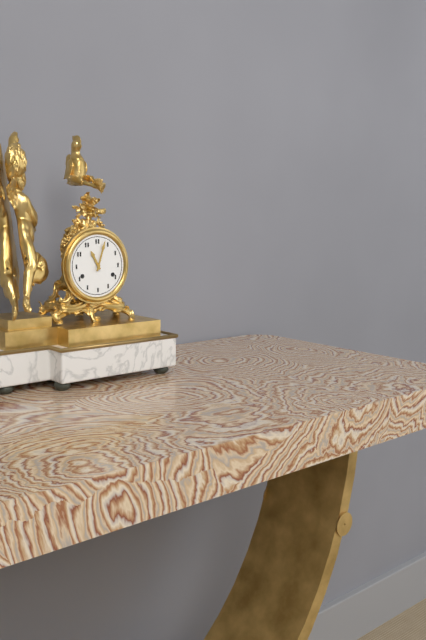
11:03
